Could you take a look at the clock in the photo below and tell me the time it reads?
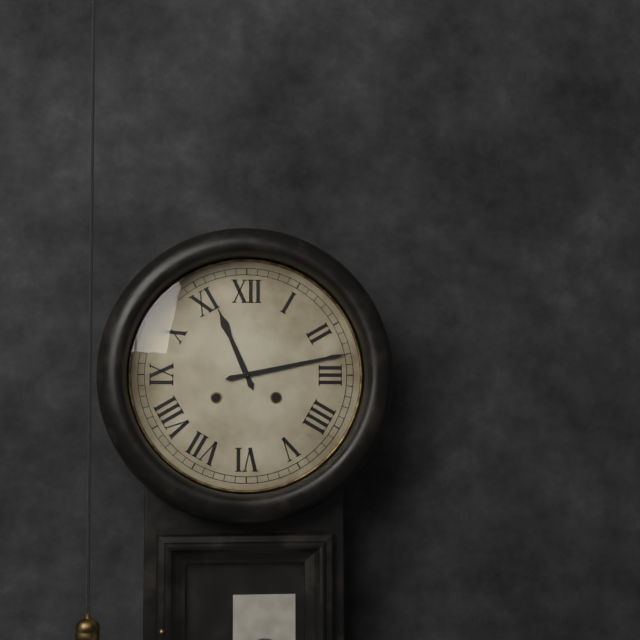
11:13
